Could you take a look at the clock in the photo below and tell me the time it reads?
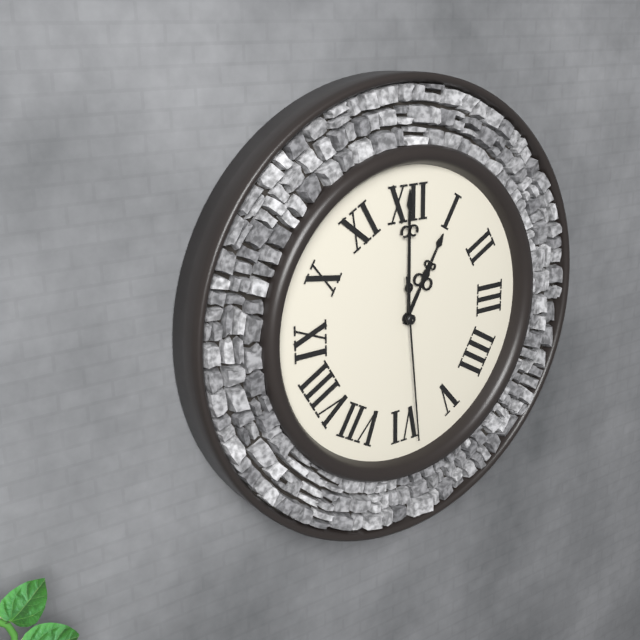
1:00:29
